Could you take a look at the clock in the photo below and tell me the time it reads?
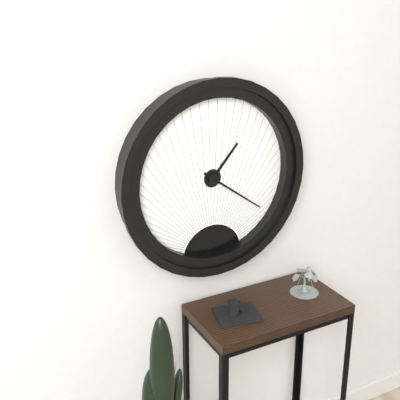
1:21
